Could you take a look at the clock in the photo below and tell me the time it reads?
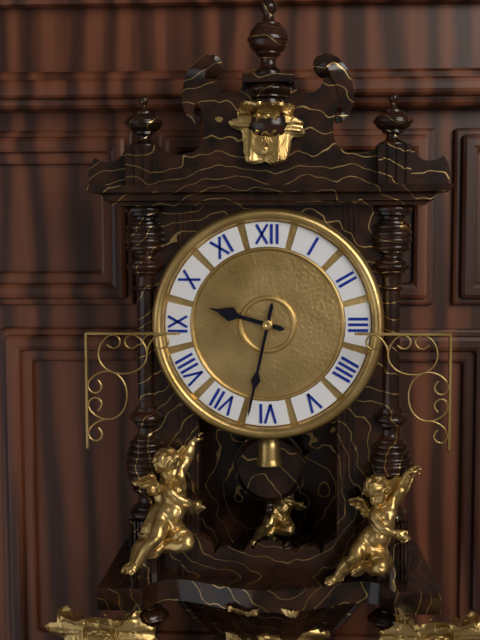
9:32
